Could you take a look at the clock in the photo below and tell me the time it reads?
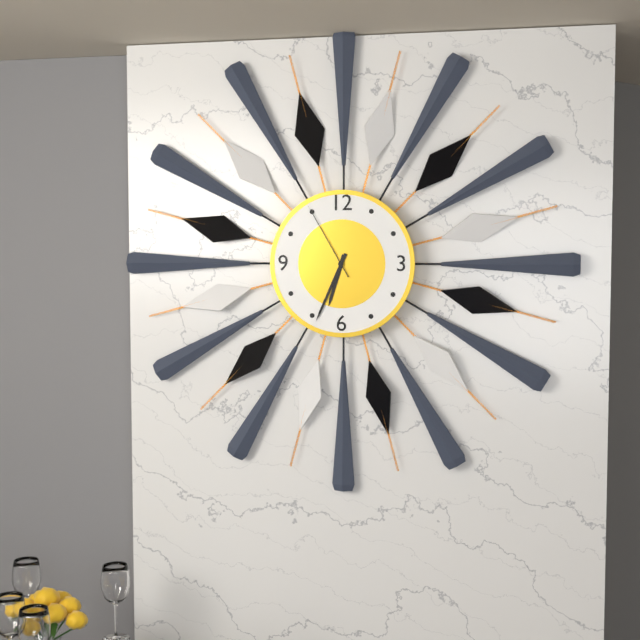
6:34:55
